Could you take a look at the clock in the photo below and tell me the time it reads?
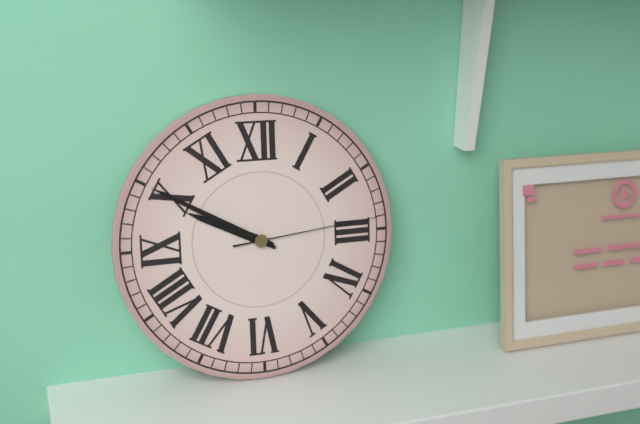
9:50:14
